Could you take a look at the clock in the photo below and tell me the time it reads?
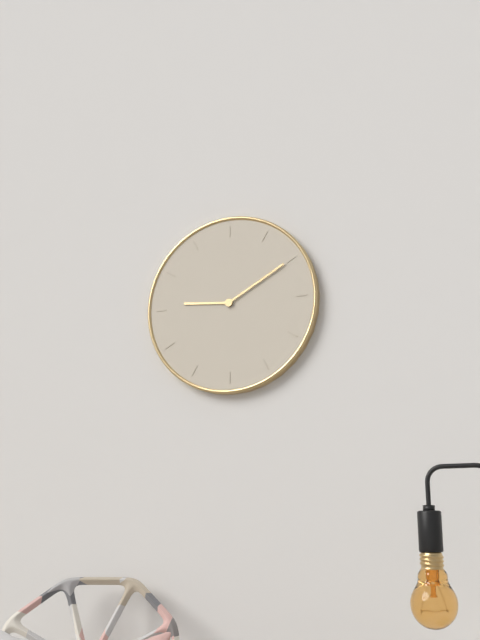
9:10
